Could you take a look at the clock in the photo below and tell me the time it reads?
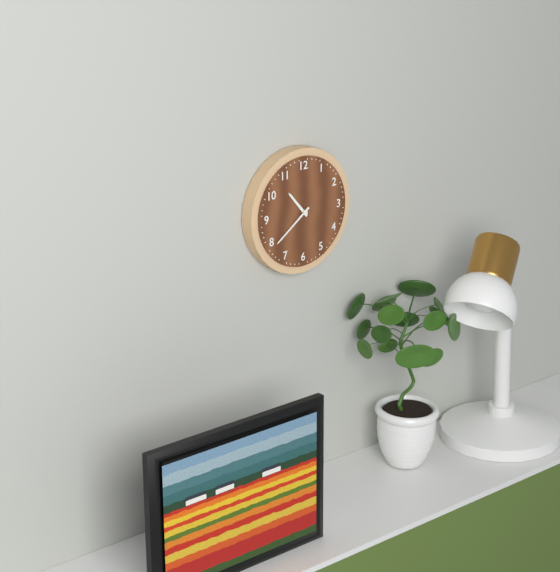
10:39
